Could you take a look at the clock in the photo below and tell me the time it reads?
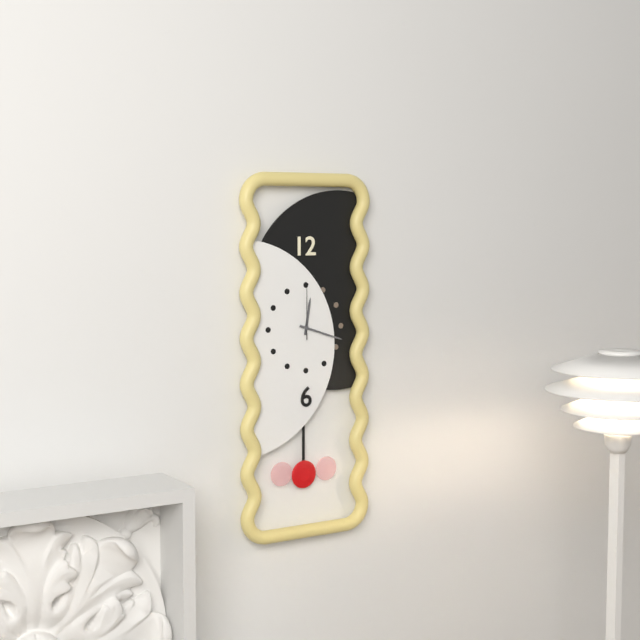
12:18:00
